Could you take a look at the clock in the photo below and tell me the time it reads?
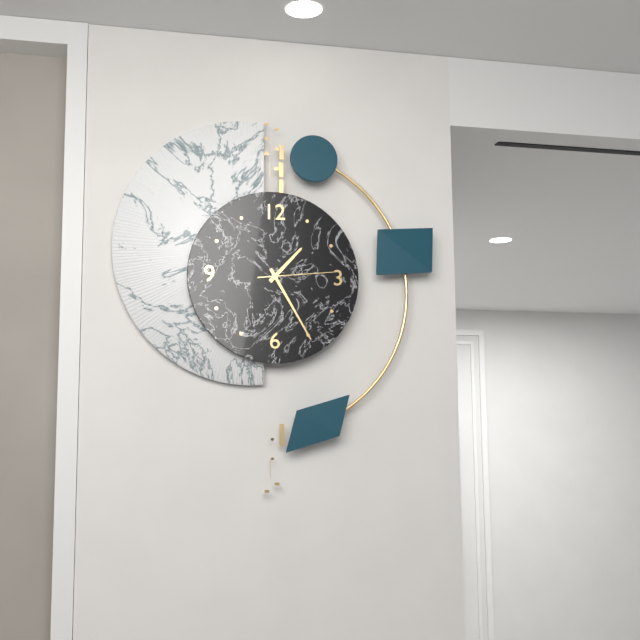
1:25:14
